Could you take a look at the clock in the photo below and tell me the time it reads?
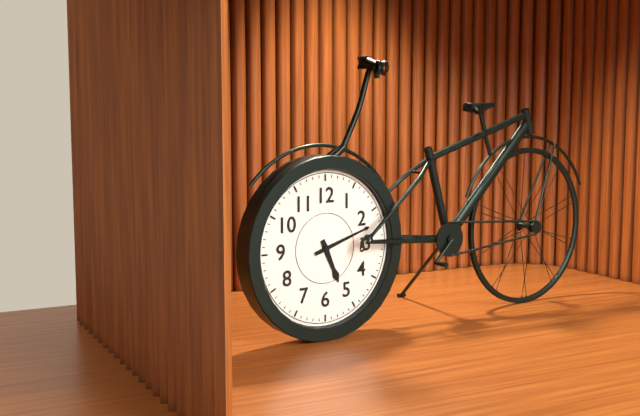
5:12
